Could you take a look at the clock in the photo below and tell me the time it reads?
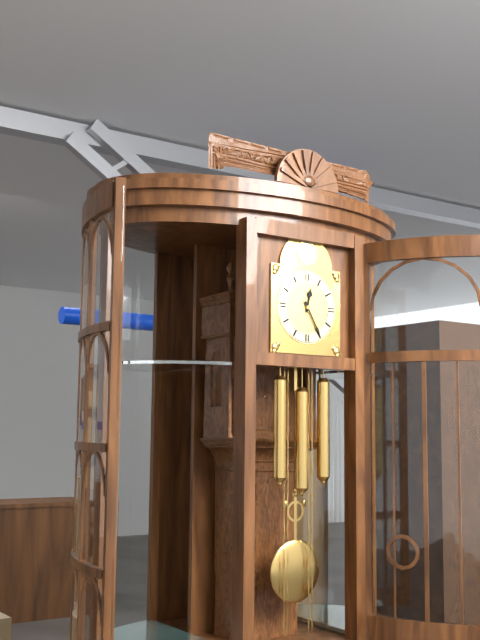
12:25
